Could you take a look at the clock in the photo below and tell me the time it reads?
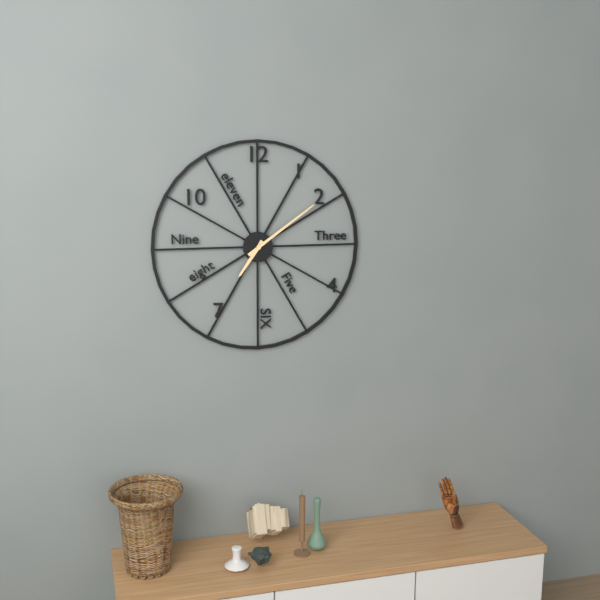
7:09
